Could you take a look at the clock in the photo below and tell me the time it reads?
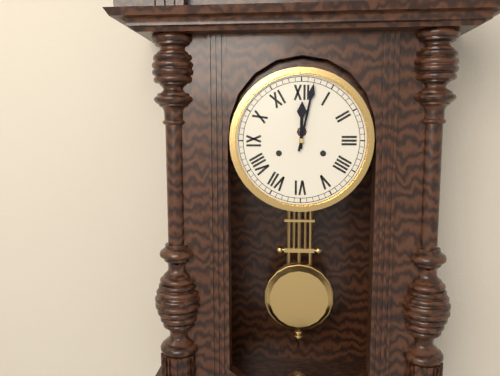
12:02
